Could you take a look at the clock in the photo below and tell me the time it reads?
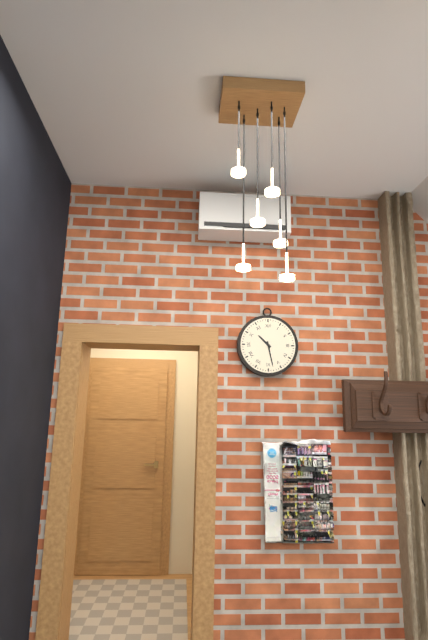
10:28
